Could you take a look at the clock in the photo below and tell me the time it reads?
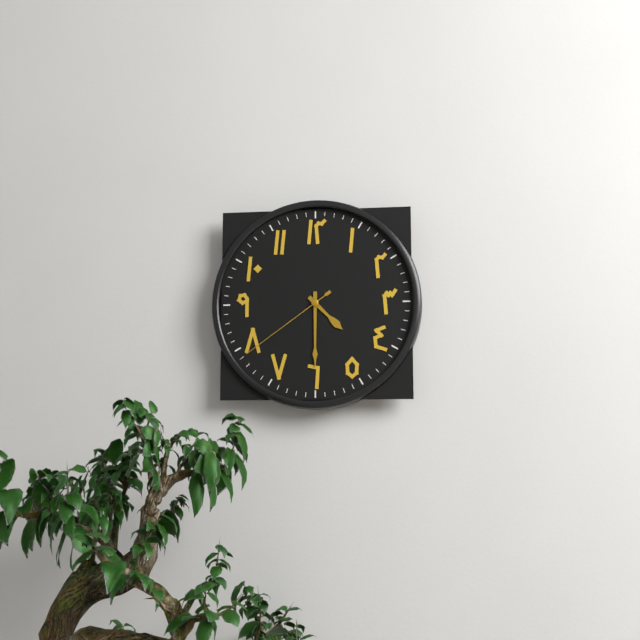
4:30:39
